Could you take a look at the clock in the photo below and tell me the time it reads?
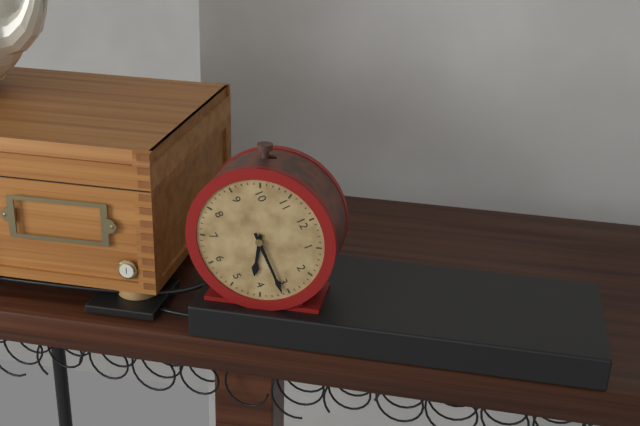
4:16
